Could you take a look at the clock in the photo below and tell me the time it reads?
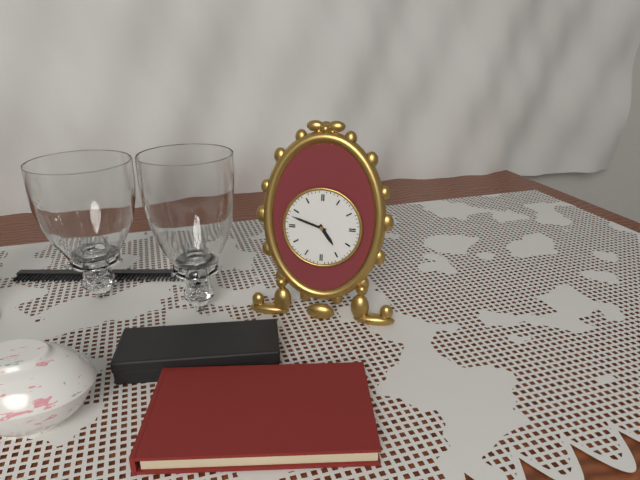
4:48
